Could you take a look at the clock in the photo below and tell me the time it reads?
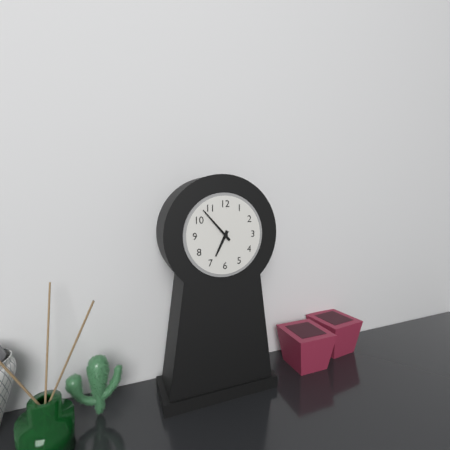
6:53
